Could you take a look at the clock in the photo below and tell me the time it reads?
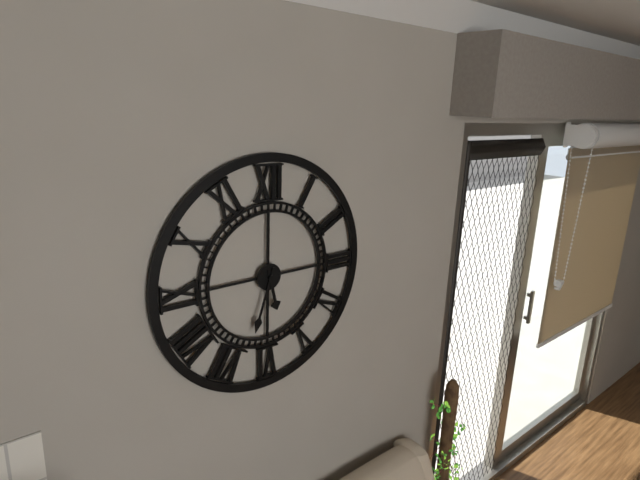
5:33
